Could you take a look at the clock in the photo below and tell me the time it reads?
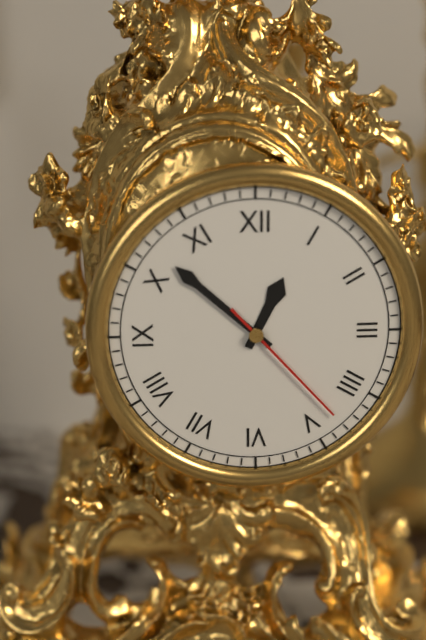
12:52:23
